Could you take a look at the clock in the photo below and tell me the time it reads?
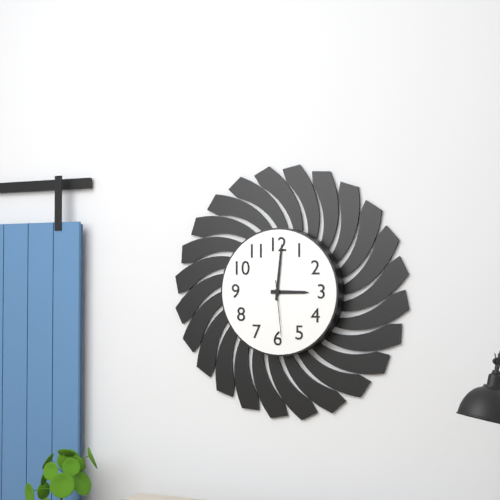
3:01:29
